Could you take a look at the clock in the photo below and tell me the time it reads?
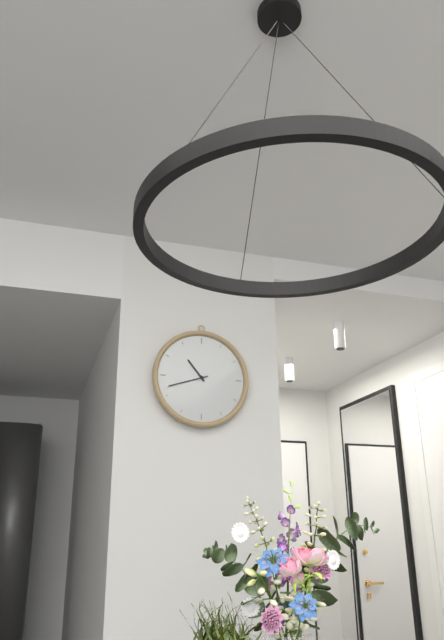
10:42
